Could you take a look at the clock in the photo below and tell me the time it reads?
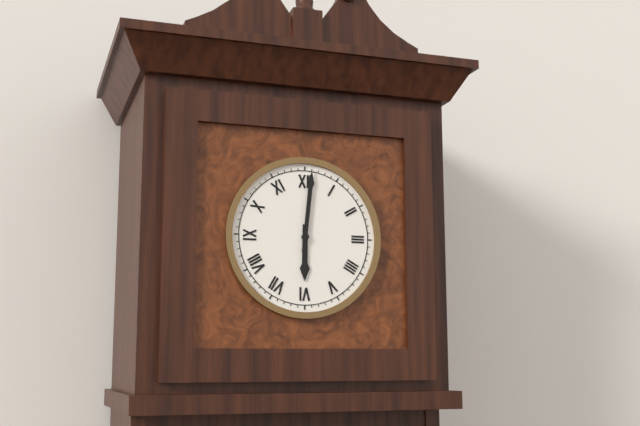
6:01
